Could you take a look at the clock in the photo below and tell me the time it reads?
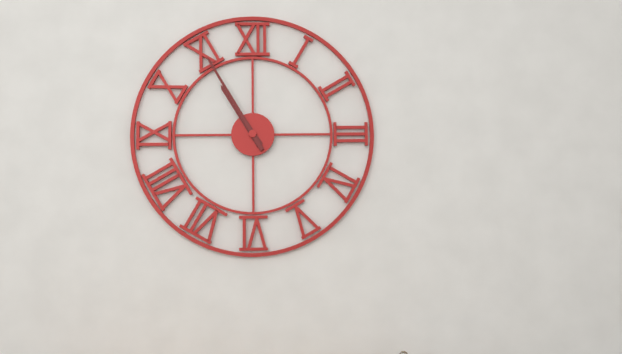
10:55
